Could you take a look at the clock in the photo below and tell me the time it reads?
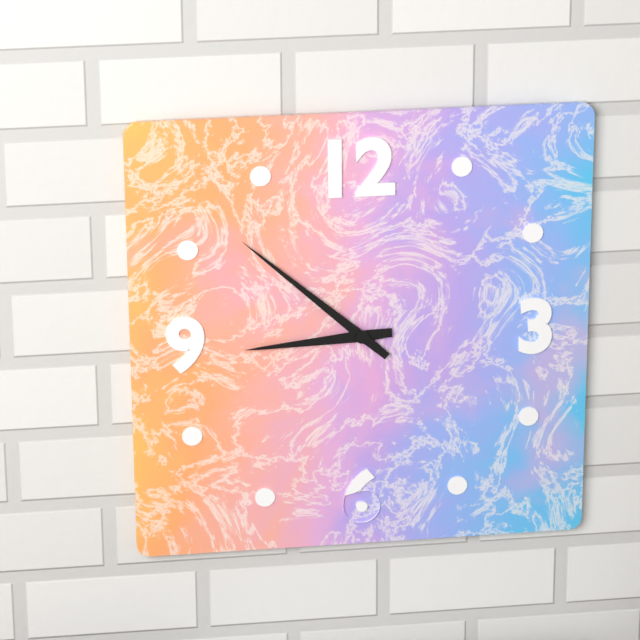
8:52
